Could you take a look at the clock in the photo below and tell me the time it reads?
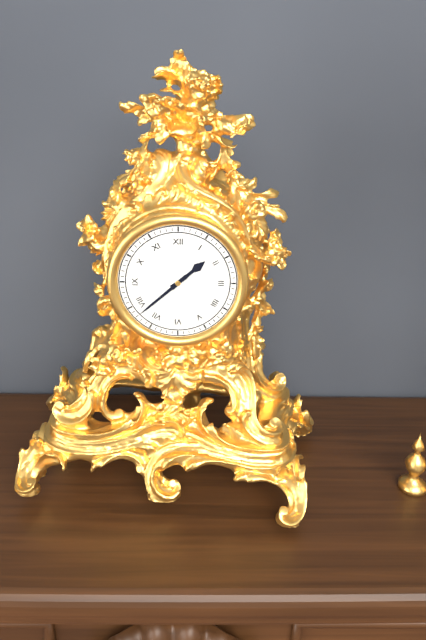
1:38
